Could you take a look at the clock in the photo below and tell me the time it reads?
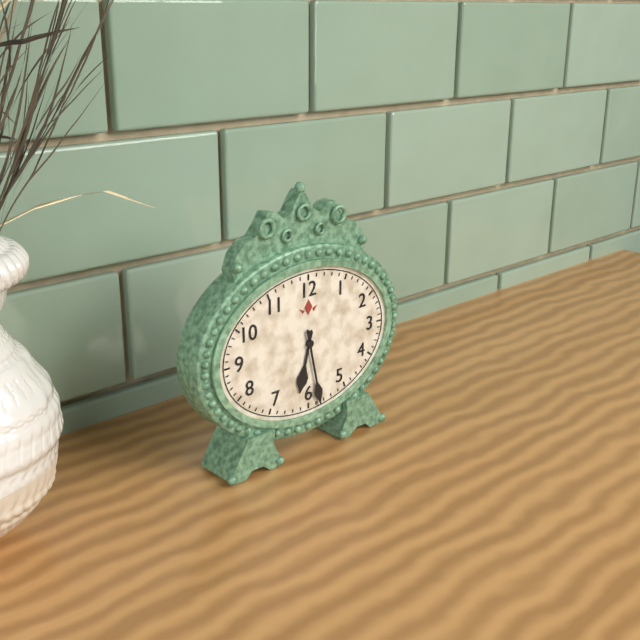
6:28
